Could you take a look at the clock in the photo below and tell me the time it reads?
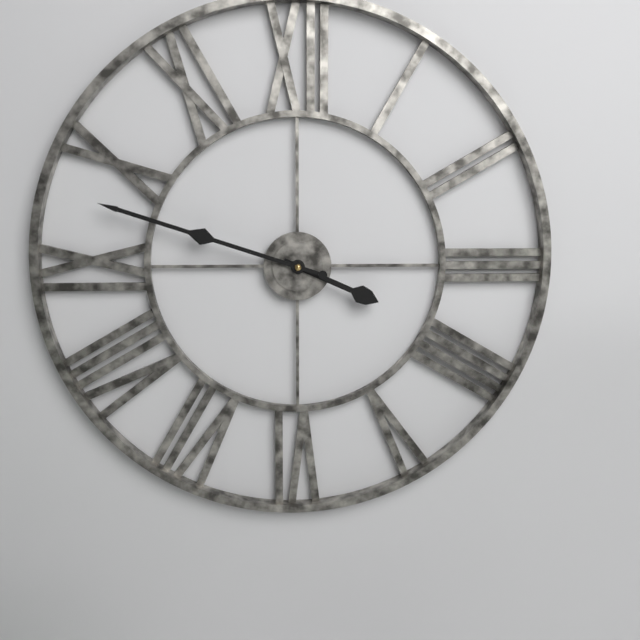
3:48
